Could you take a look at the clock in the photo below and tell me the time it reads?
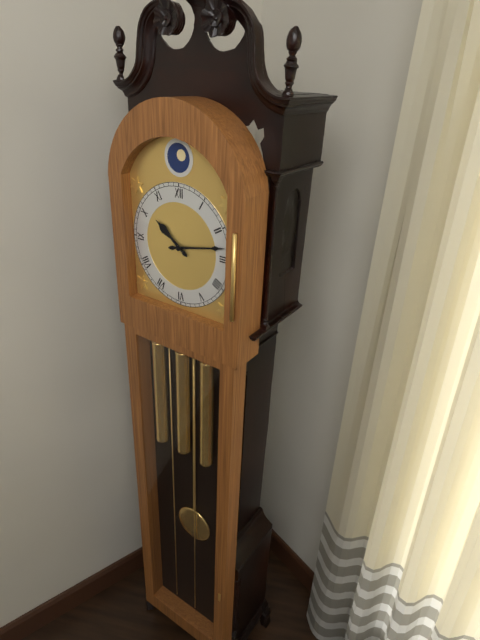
10:13
